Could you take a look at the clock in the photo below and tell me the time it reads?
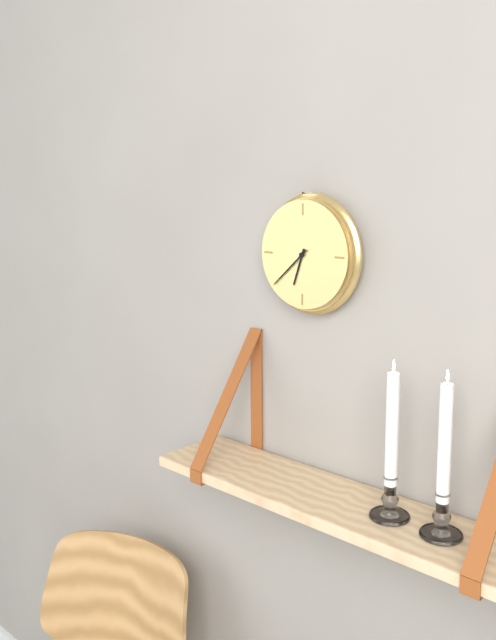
6:38
